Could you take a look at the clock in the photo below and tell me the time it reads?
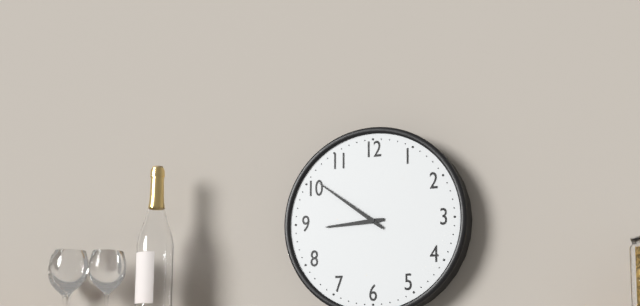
8:51
